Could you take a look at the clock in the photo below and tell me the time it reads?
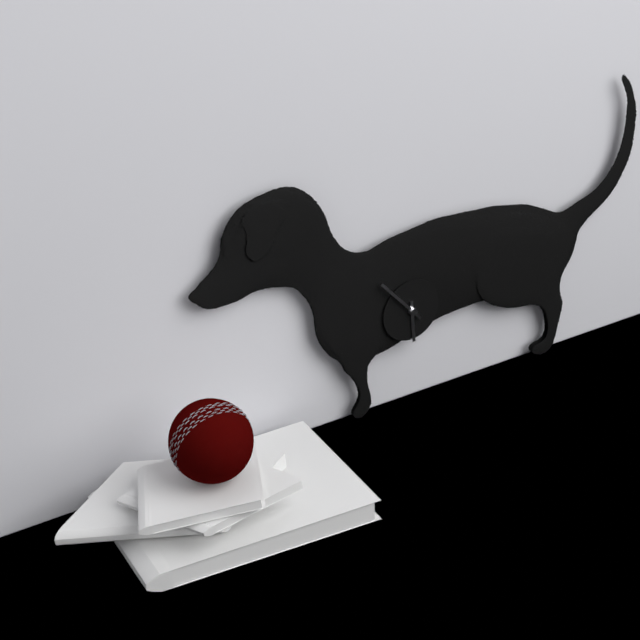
5:53
